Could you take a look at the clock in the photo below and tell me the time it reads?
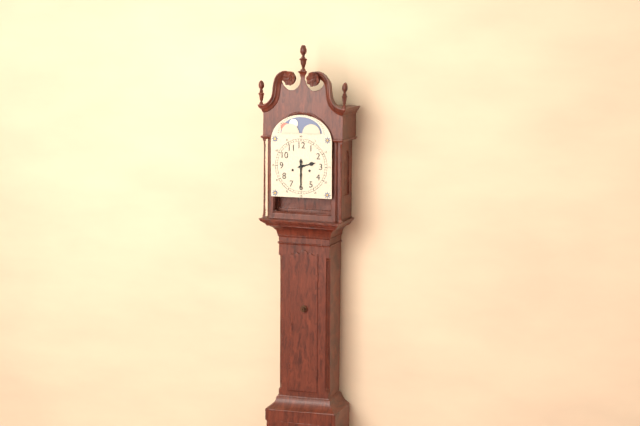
2:30
